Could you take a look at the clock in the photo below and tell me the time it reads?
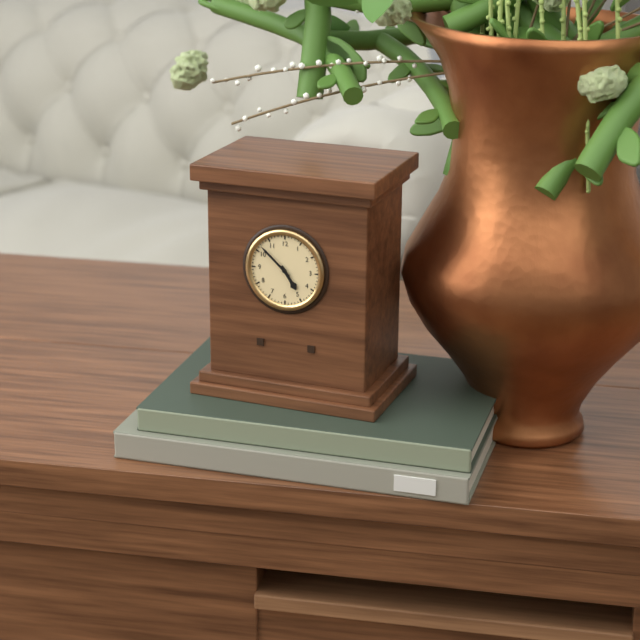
4:52
